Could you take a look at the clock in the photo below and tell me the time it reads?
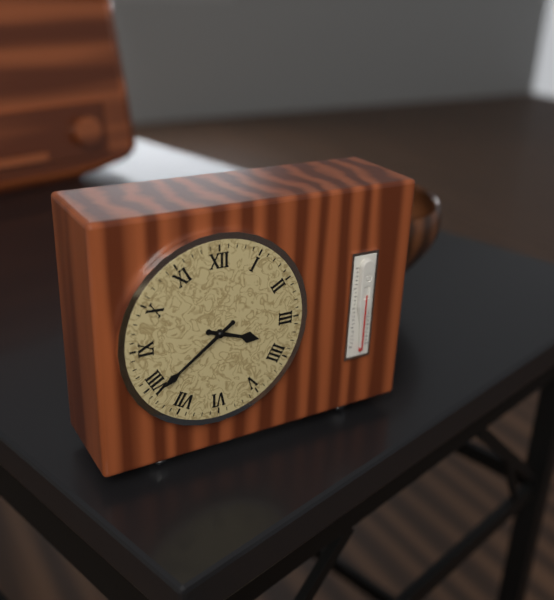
3:39
